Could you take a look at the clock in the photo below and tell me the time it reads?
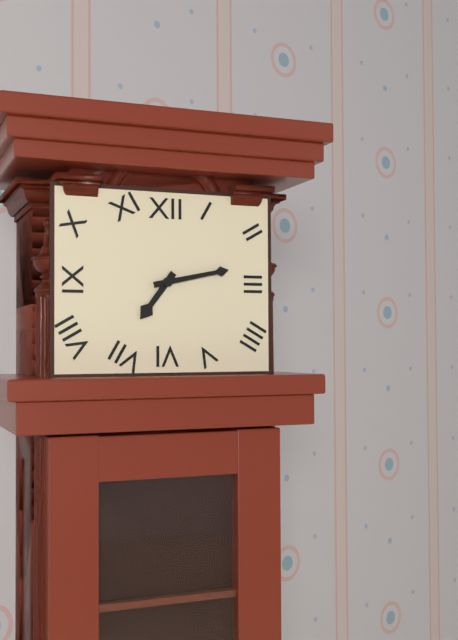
7:13
